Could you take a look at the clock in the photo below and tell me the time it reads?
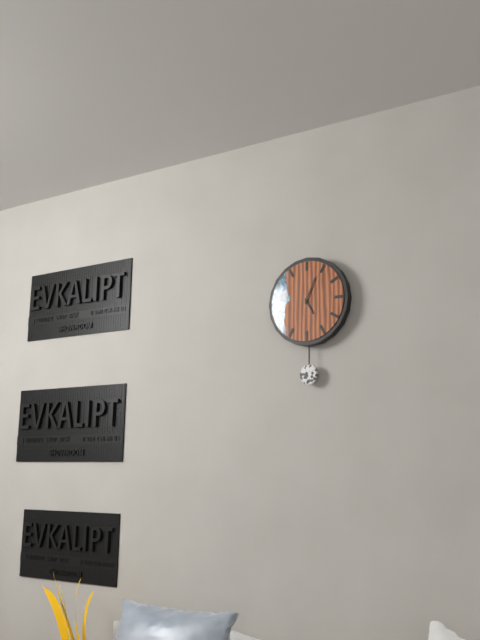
5:04
